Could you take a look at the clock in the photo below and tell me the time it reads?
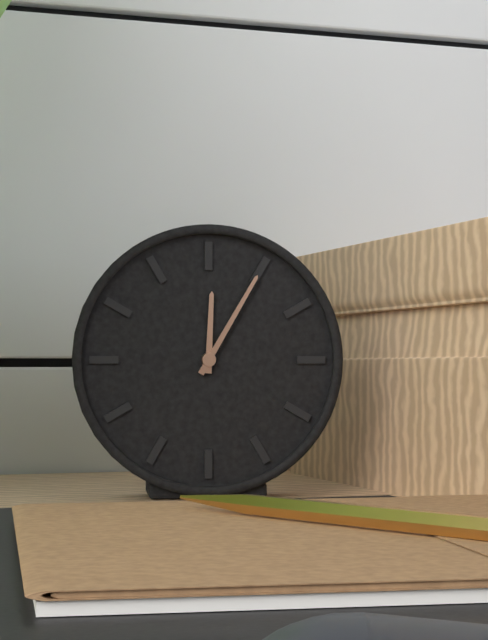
12:05
